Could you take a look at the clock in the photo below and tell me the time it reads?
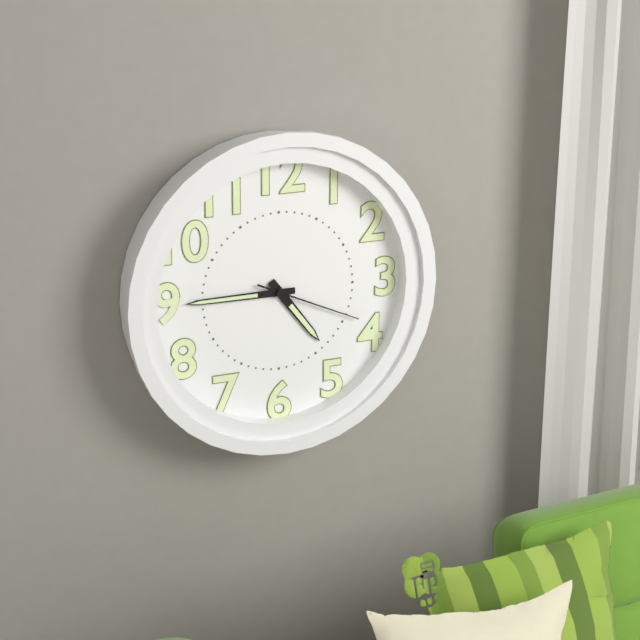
4:45:19
